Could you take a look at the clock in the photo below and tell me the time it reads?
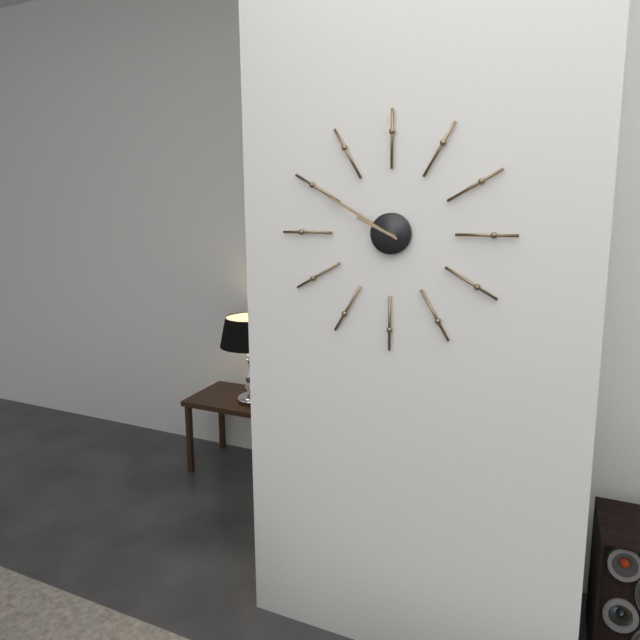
9:50
